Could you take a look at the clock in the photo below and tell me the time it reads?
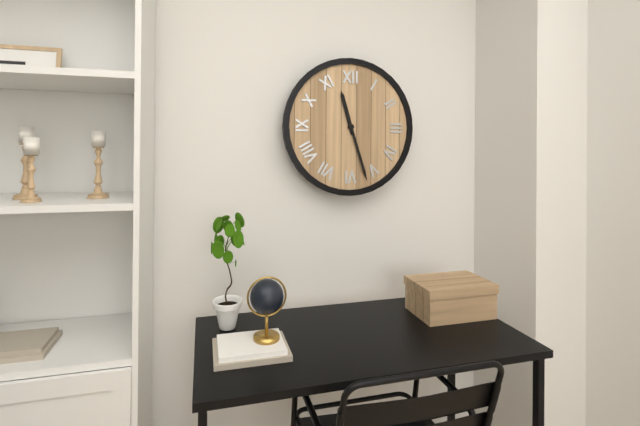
11:27
